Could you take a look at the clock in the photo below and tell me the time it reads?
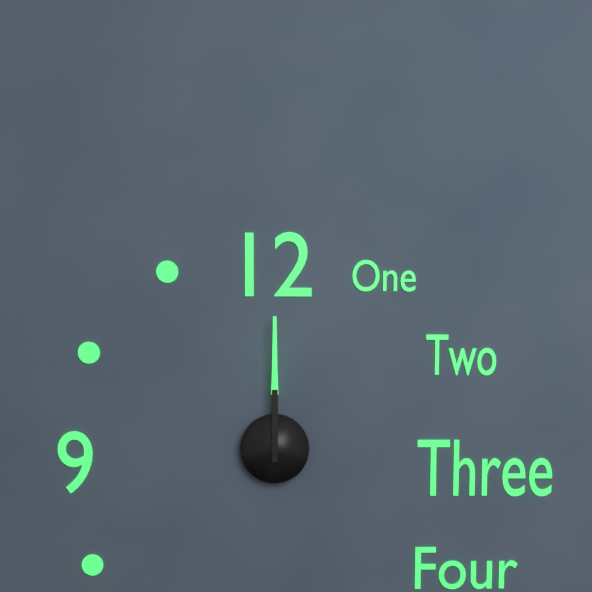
12:00
